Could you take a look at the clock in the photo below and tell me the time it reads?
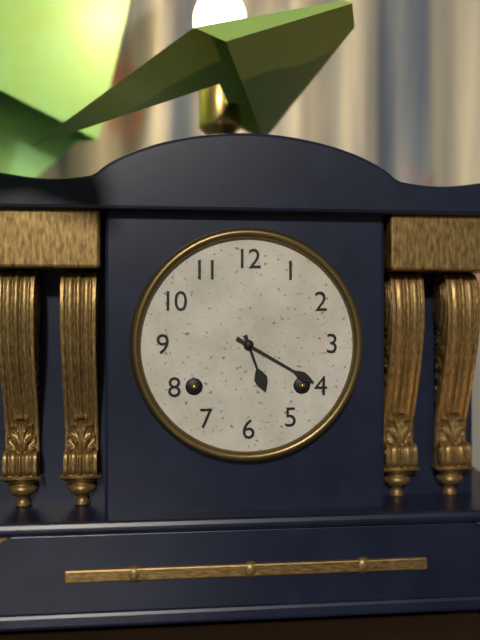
5:20
